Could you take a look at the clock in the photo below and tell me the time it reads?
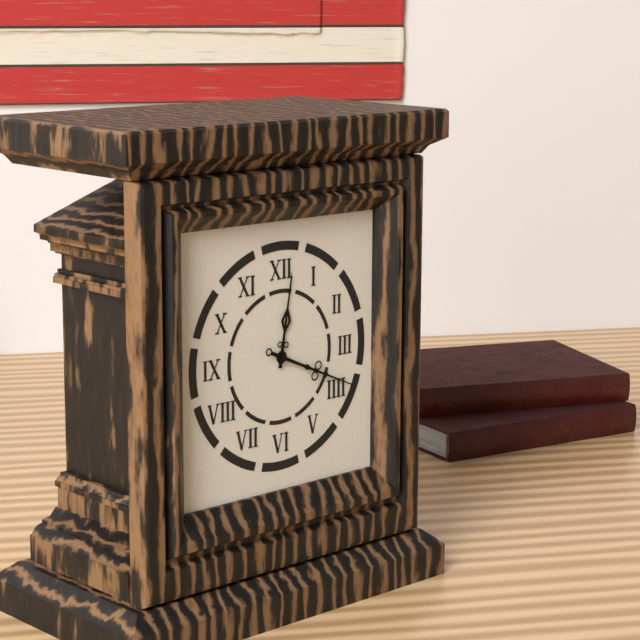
12:19
